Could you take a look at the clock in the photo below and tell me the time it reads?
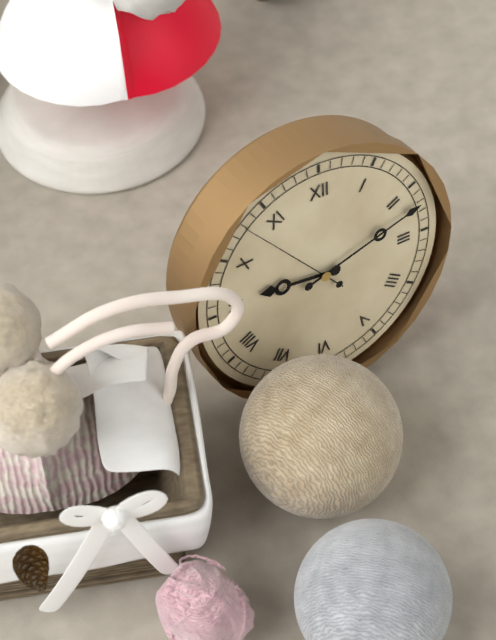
9:12:53
